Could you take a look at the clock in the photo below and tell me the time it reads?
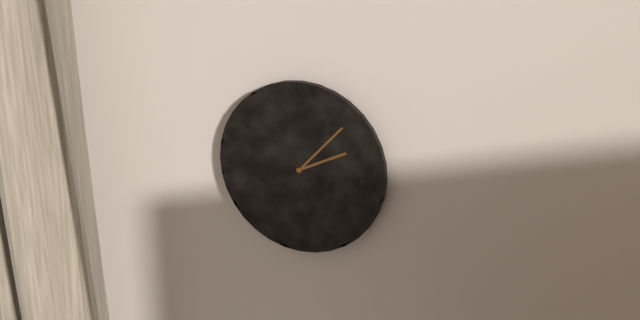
2:07
